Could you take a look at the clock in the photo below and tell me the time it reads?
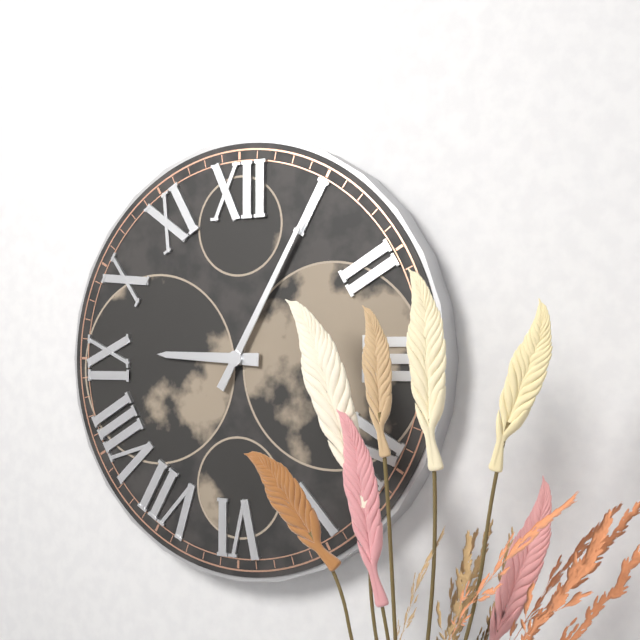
9:05
